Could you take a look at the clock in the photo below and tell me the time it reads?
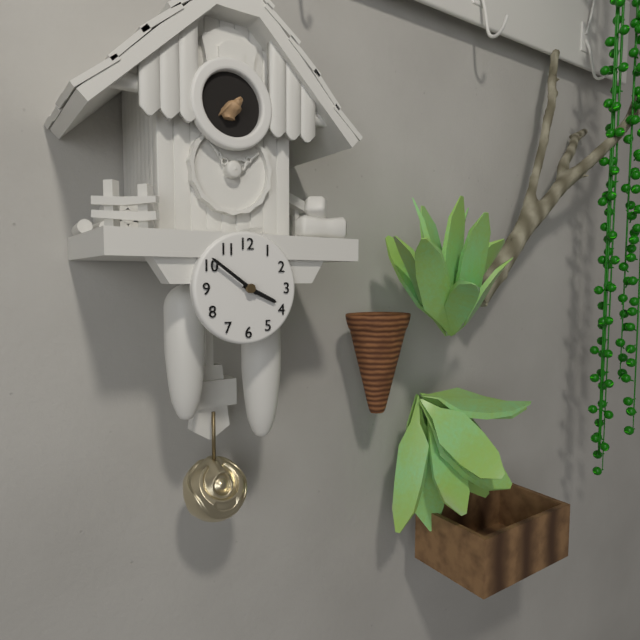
3:51
